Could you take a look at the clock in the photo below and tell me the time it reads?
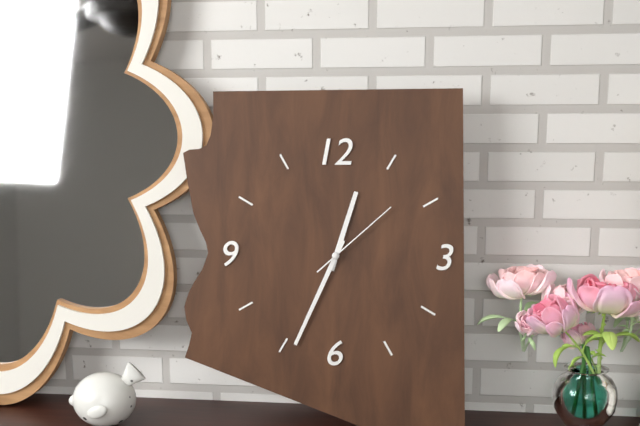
12:34:08
